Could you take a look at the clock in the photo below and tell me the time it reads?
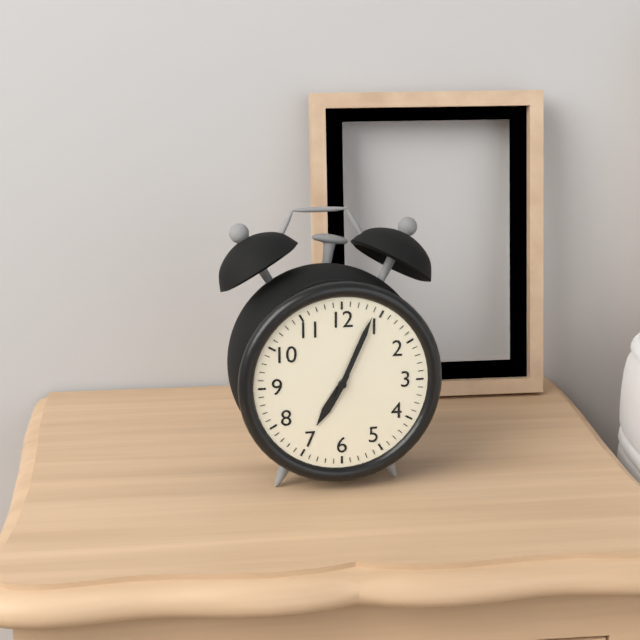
7:04
